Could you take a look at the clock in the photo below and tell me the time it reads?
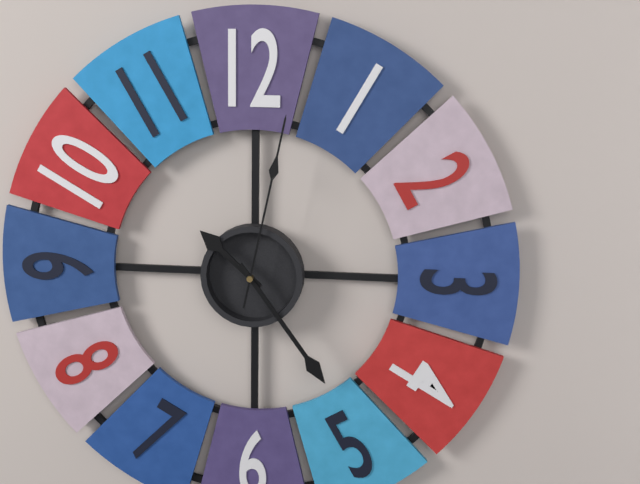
10:24:02
